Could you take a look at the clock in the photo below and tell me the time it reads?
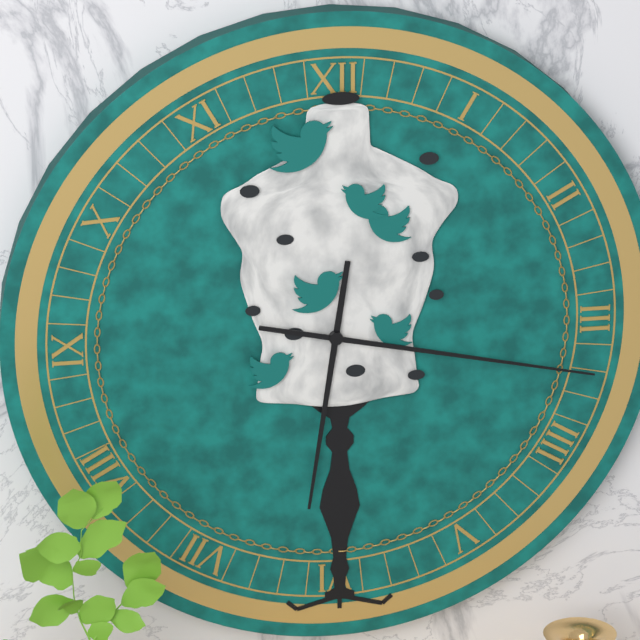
6:17
